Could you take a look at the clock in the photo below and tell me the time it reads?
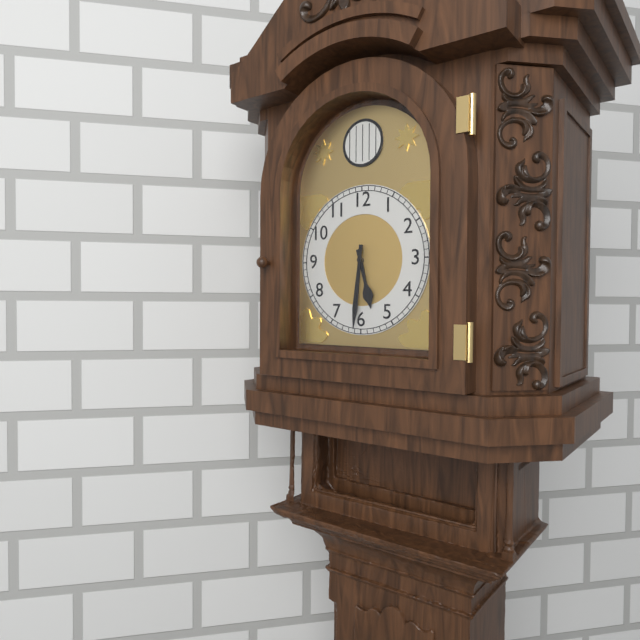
5:31
